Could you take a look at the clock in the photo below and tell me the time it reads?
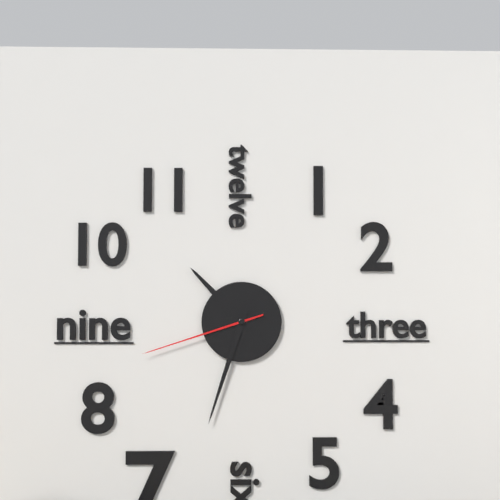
10:33:42
